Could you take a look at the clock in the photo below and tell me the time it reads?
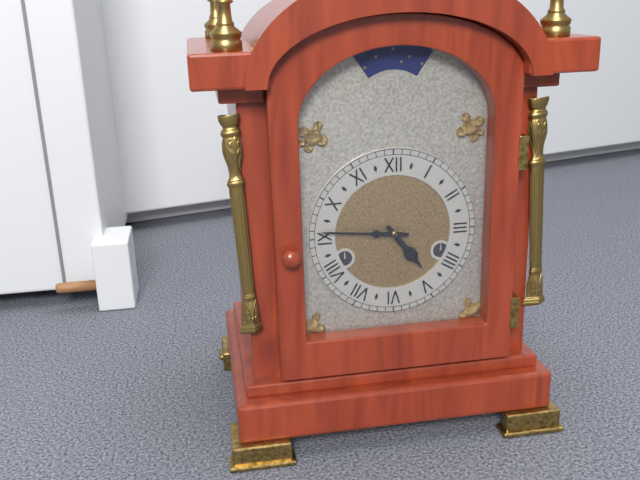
4:46
